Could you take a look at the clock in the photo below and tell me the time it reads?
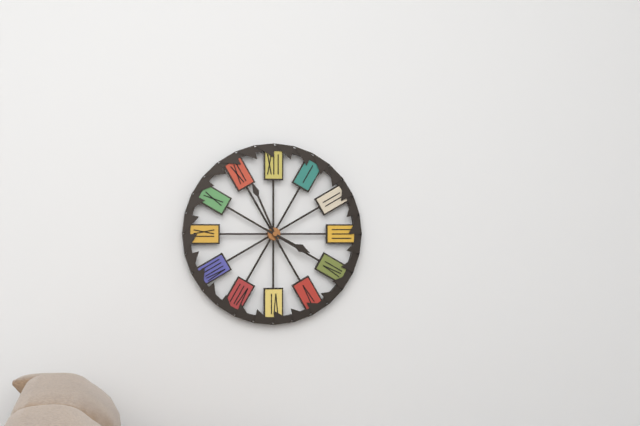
3:56
